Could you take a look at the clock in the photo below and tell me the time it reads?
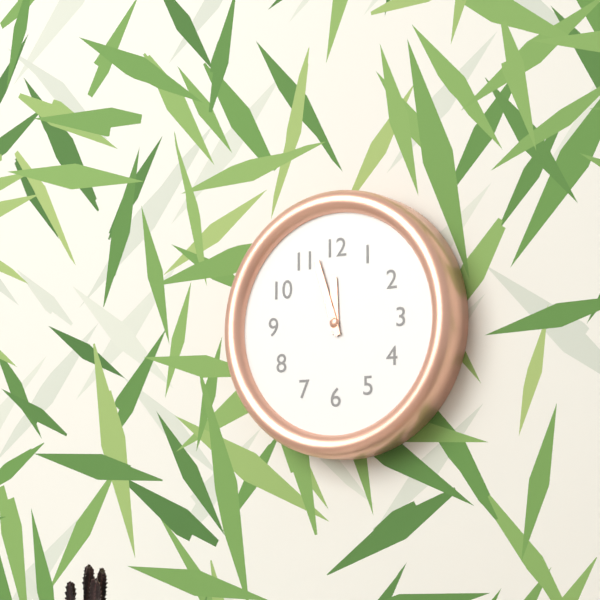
11:57
